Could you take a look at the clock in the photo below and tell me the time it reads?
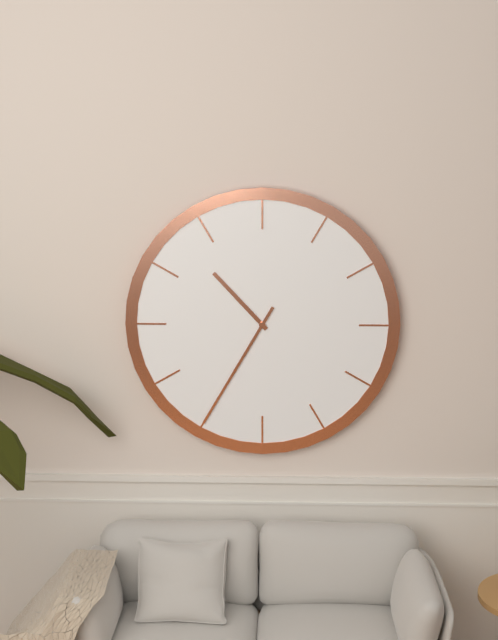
10:35
